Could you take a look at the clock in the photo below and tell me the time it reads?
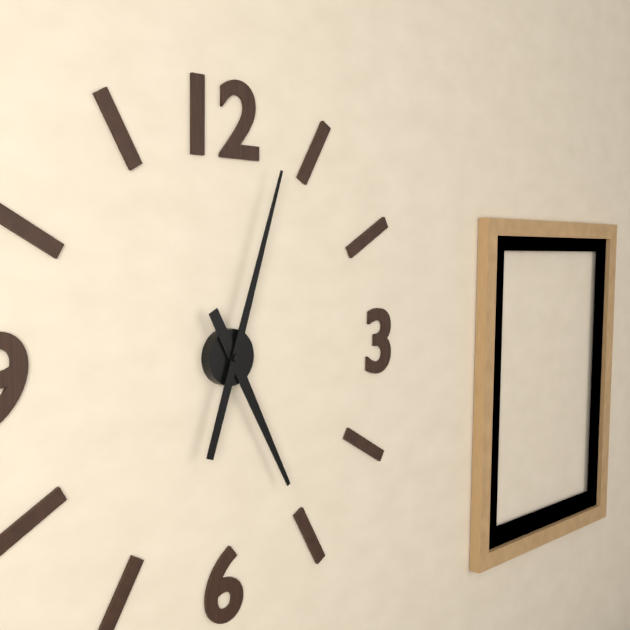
5:03
